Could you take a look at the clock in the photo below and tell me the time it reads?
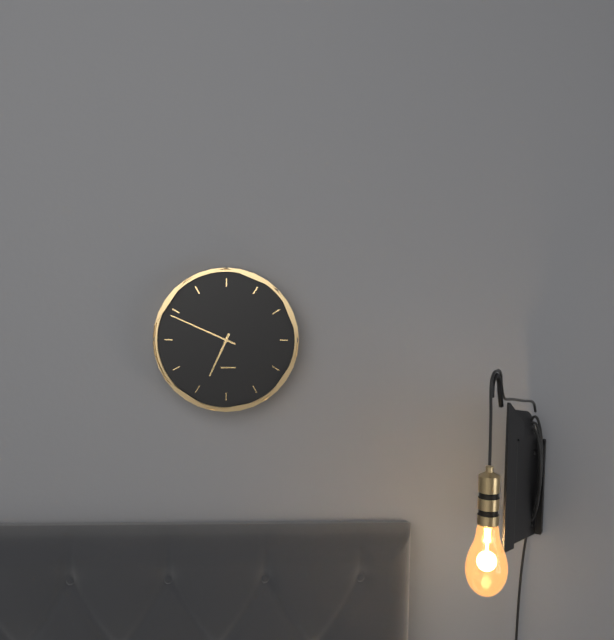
6:49
